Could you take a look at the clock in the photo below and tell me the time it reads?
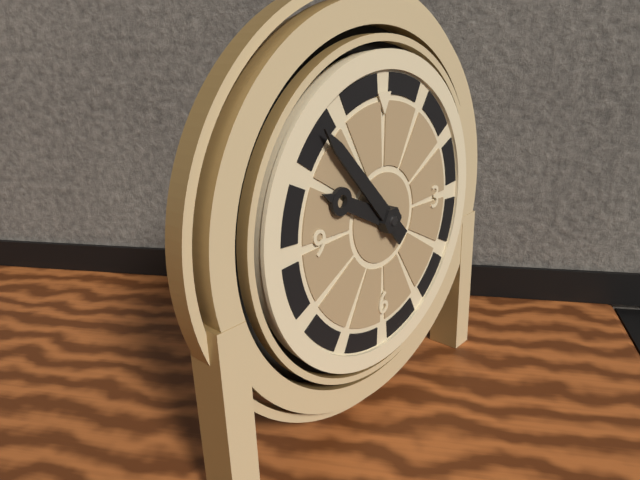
9:53
